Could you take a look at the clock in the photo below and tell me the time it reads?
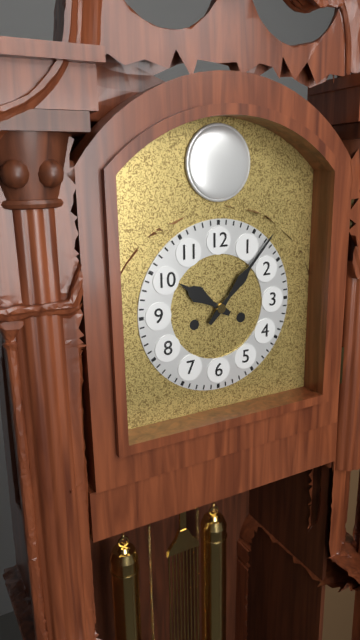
10:07
